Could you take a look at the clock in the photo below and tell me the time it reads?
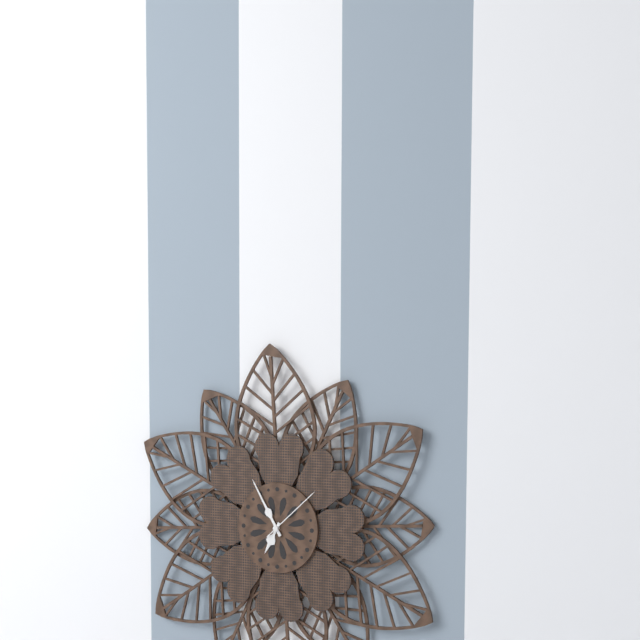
6:55:08
